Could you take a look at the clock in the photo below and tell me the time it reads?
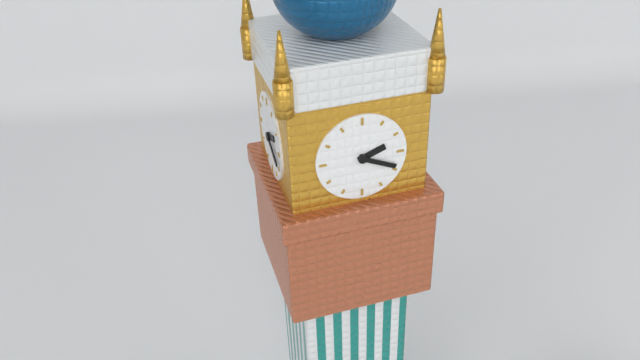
2:19
